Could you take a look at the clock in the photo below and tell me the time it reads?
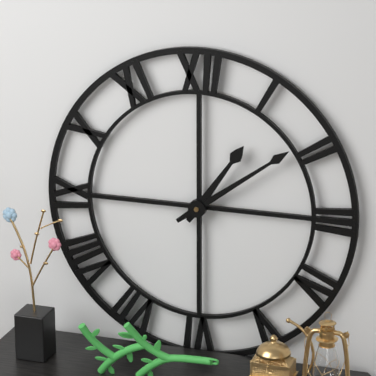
1:09
